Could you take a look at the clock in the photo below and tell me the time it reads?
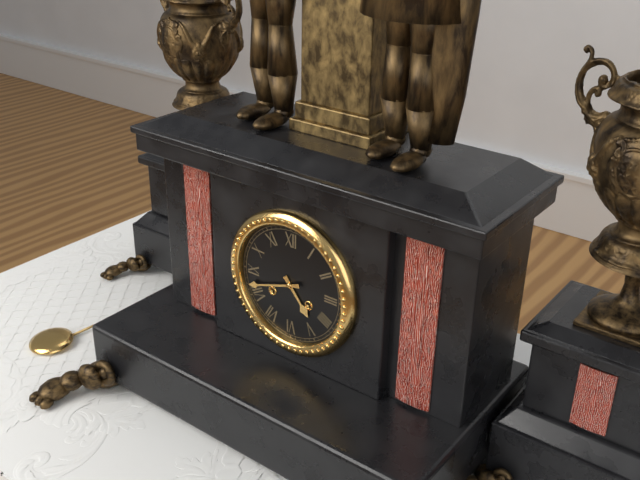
4:42
